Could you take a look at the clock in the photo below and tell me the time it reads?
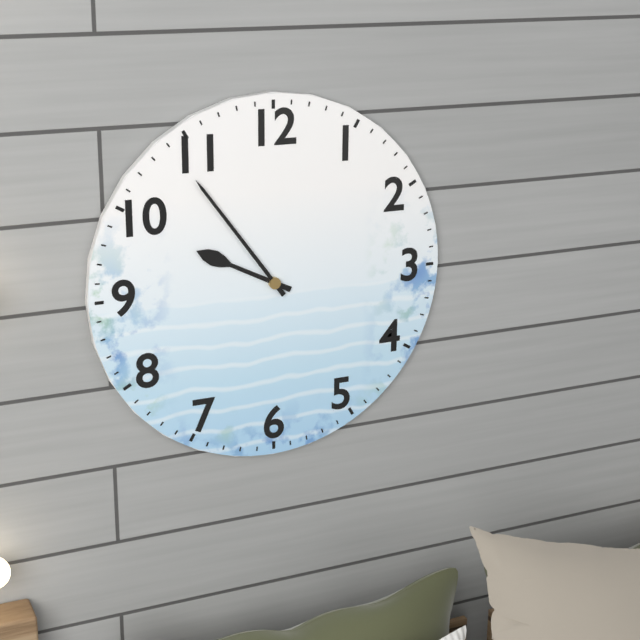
9:54
